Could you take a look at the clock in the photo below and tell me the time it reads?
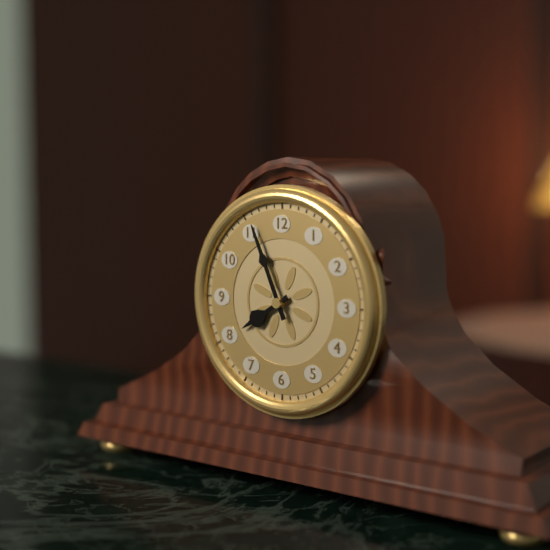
7:56
